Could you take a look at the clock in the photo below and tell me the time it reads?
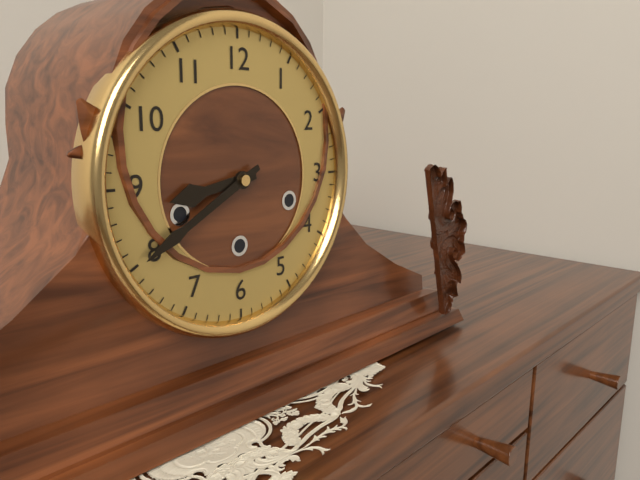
8:40
